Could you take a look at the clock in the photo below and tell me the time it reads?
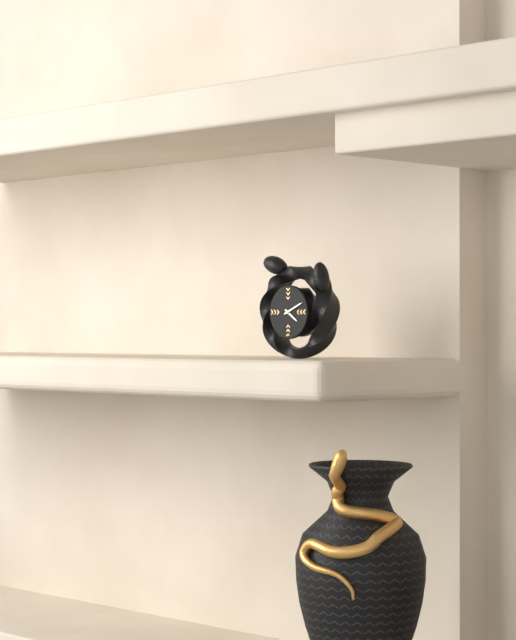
4:11
